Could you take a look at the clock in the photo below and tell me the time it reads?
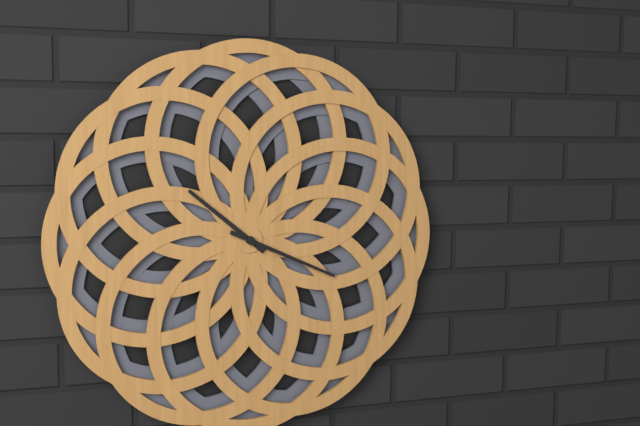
10:19
